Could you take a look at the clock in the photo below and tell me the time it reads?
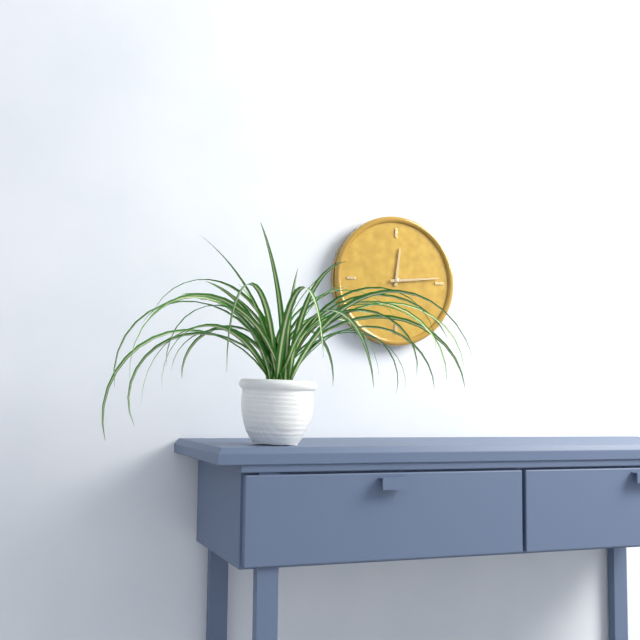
12:14
